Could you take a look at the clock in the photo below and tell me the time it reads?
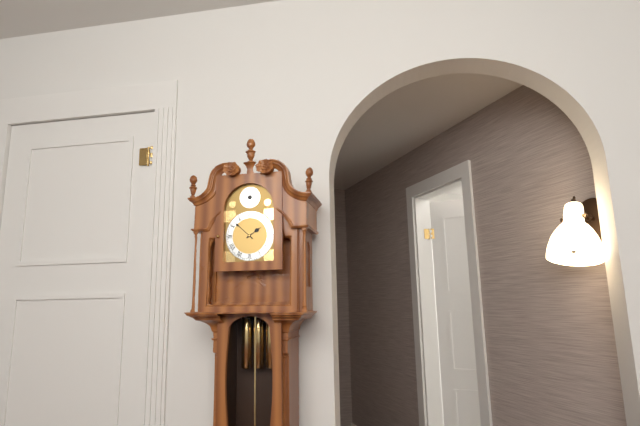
1:52
